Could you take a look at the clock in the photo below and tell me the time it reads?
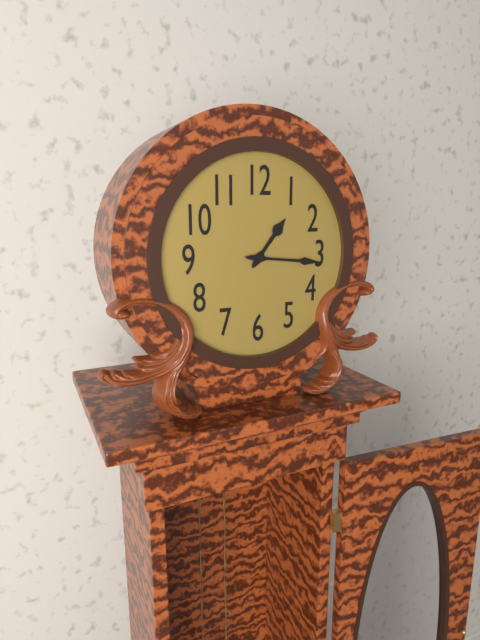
1:16
